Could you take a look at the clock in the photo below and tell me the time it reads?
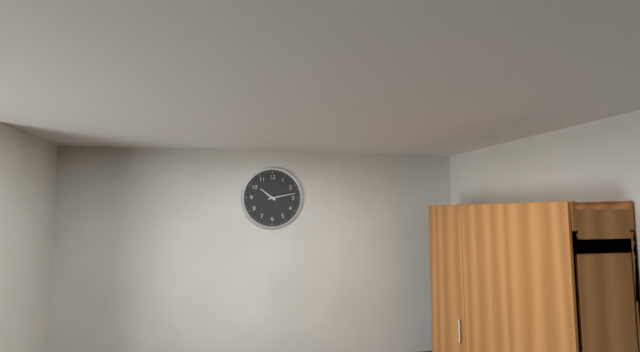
10:13
